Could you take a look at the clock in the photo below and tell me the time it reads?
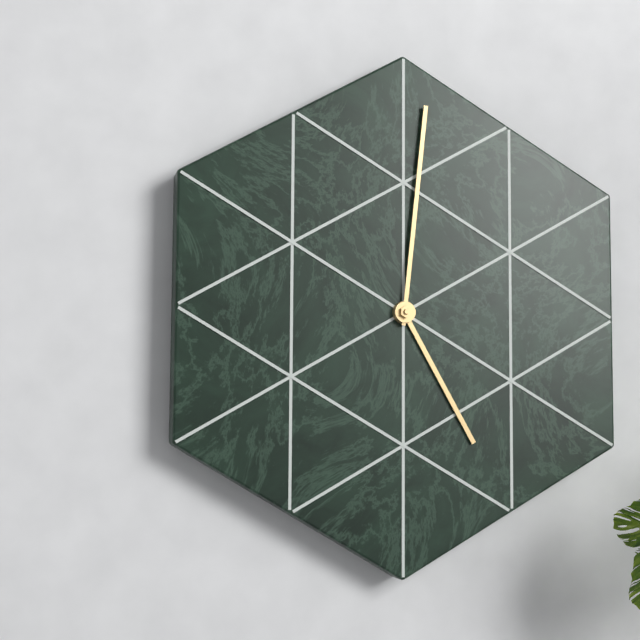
5:01
